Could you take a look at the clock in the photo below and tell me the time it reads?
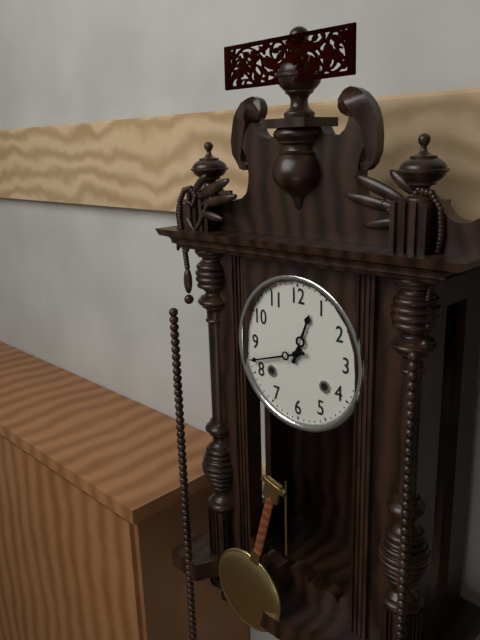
12:42
